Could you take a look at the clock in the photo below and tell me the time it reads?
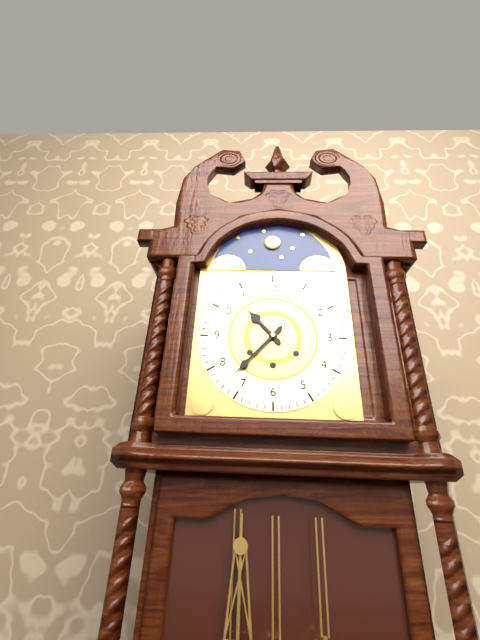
10:37
